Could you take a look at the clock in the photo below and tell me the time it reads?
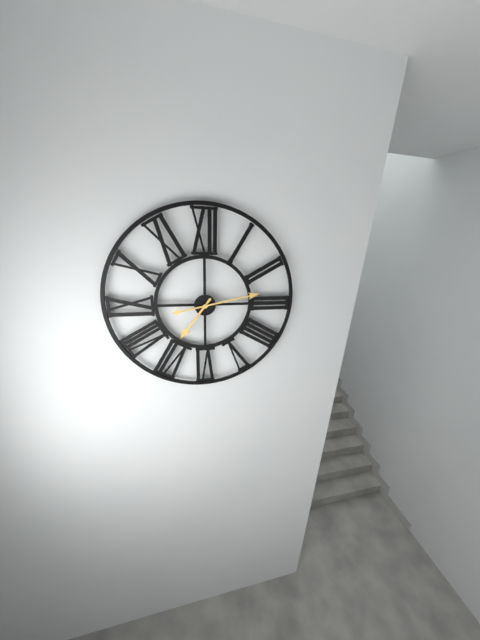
7:13
